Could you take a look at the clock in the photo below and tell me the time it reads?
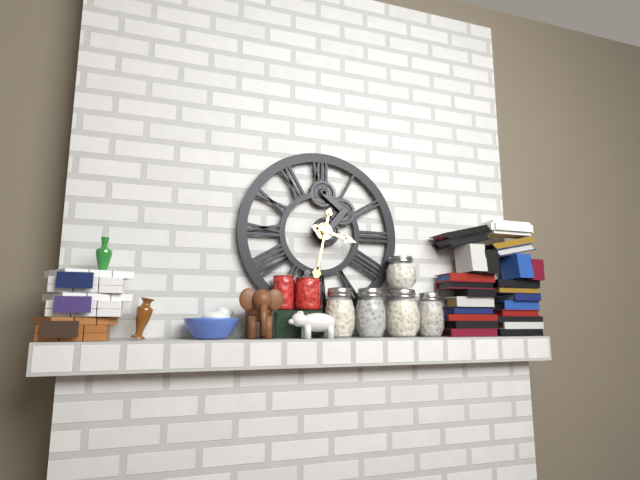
3:32
